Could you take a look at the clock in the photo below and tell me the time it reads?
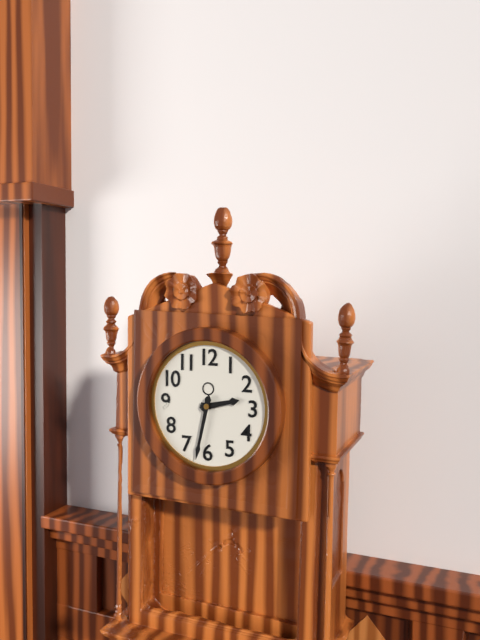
2:32
